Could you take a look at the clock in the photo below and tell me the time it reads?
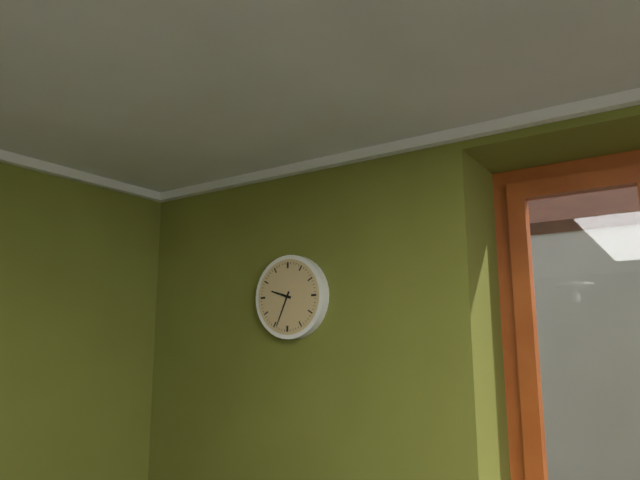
9:34
